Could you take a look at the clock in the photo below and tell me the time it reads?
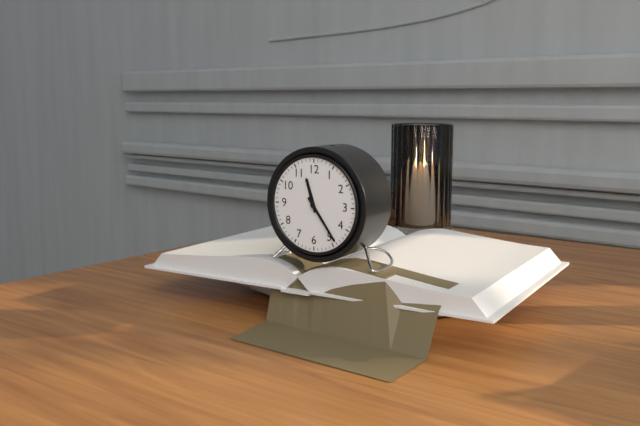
11:24
